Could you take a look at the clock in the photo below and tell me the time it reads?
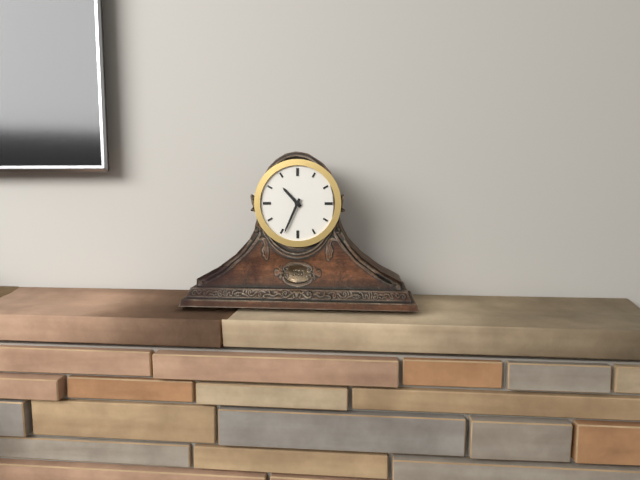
10:34
